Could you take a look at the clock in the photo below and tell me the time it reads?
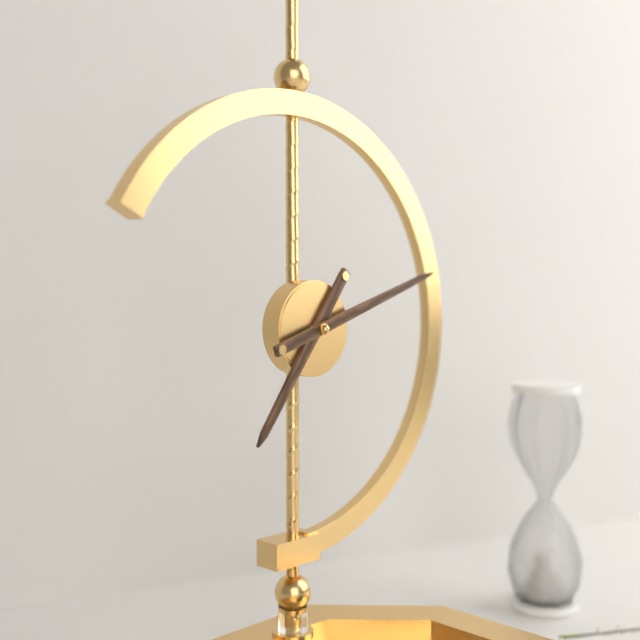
7:12
